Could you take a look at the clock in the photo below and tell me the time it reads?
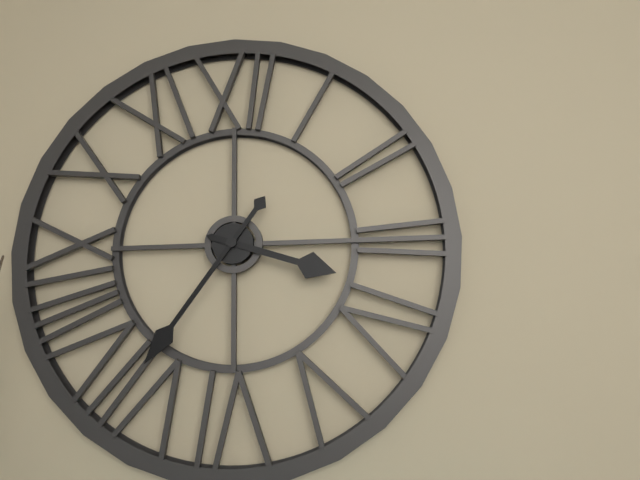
3:36
